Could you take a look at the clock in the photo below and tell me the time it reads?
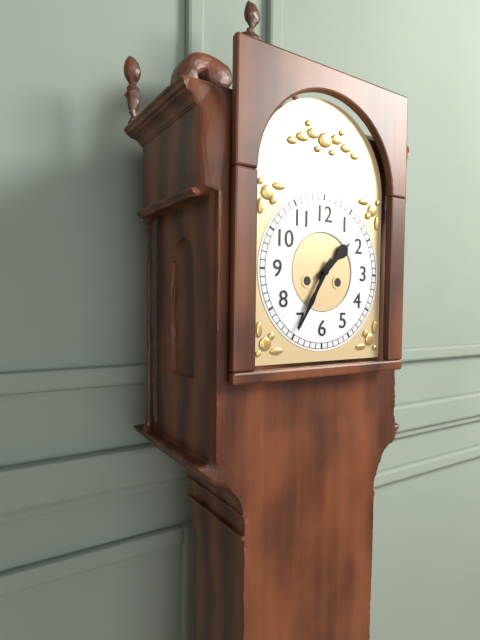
1:35
